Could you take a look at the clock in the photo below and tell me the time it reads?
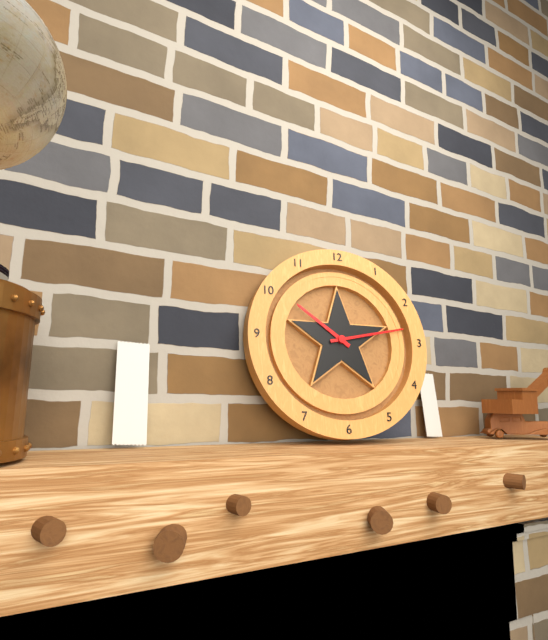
10:13
